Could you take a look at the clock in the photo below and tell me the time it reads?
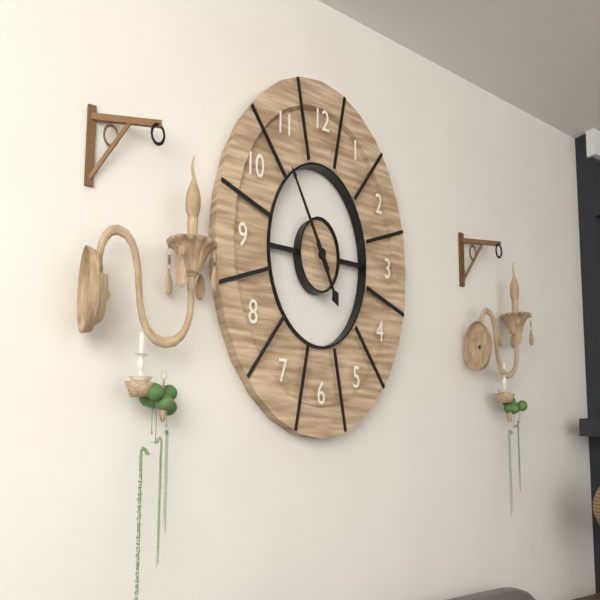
4:54
